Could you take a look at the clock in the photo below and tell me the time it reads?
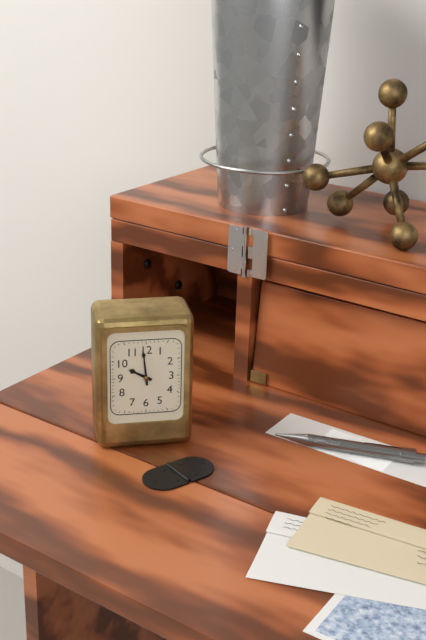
9:59
